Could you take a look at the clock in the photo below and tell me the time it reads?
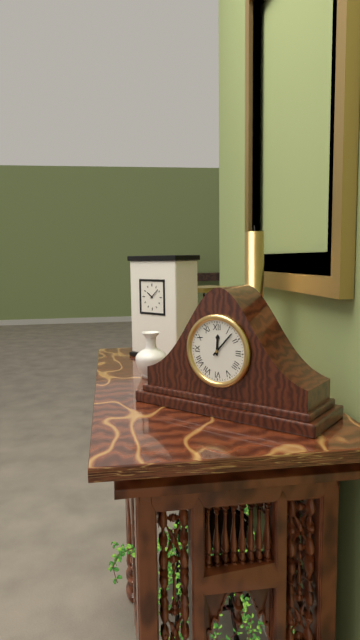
12:07
